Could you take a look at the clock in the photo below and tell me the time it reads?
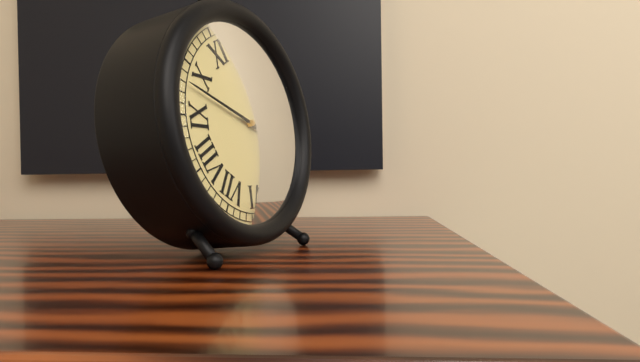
3:48
